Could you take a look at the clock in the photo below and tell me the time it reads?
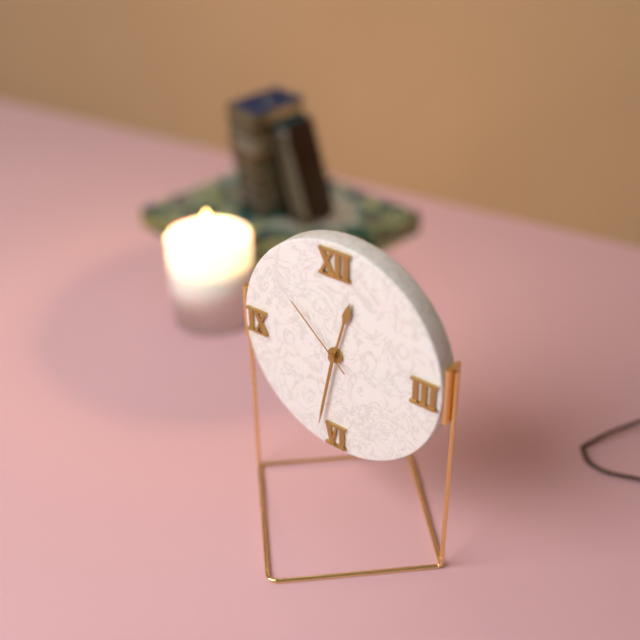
12:32:52
